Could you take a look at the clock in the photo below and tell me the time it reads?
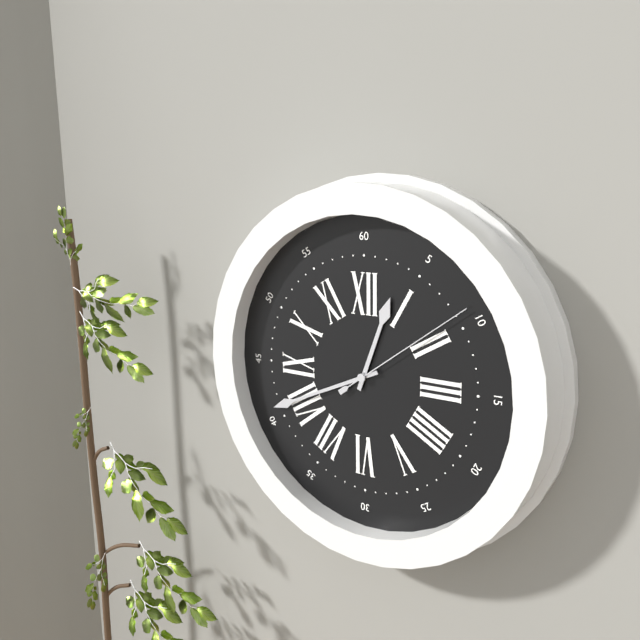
12:41:09
